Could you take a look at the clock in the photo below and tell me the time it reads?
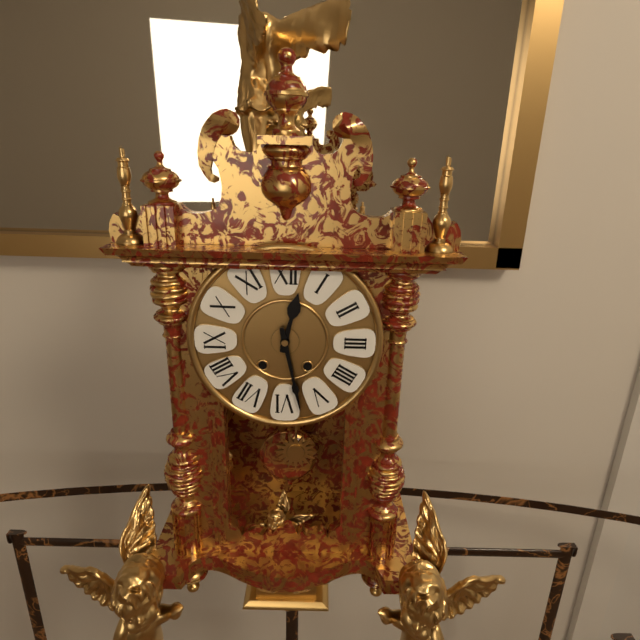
12:28
